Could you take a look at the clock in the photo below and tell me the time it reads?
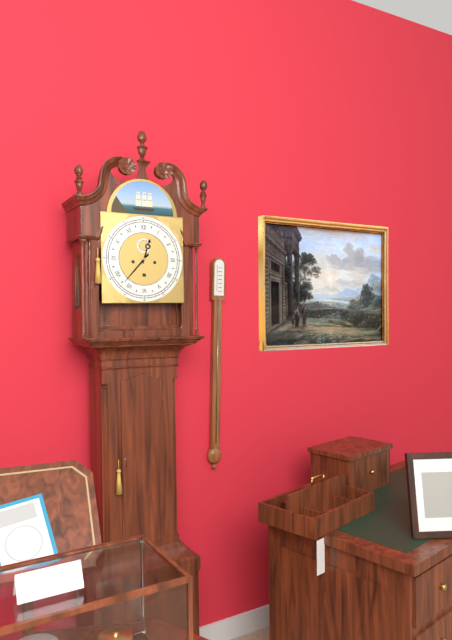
12:37
